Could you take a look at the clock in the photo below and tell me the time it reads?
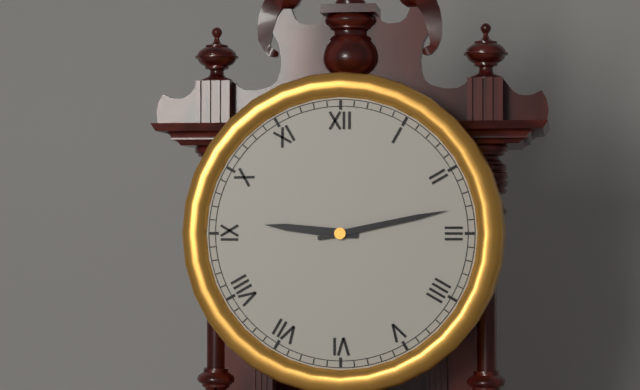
9:13
